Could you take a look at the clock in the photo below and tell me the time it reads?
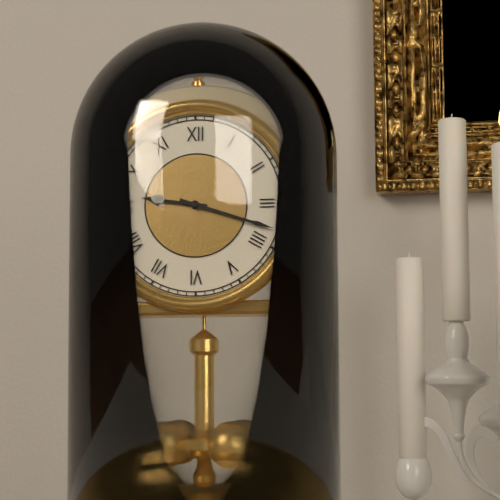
9:18
